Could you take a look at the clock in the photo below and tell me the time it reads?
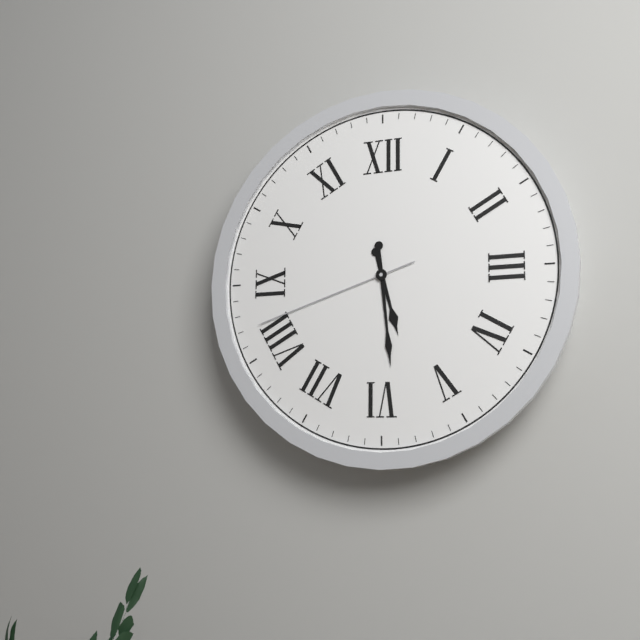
5:29:42
